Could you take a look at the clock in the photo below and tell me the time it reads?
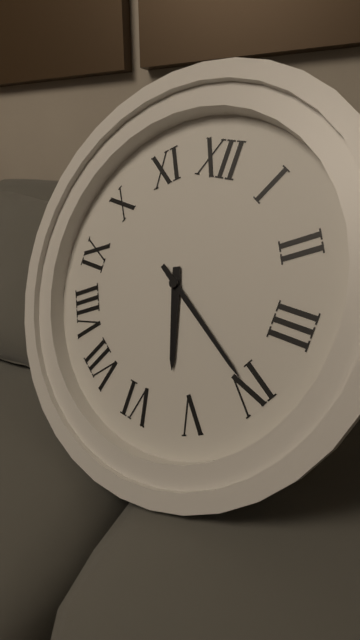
5:20
